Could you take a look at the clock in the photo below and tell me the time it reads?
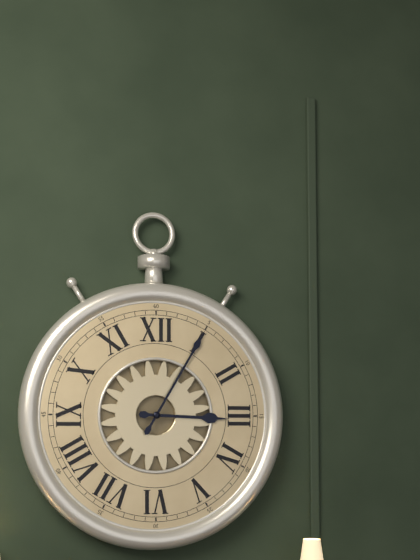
3:05
